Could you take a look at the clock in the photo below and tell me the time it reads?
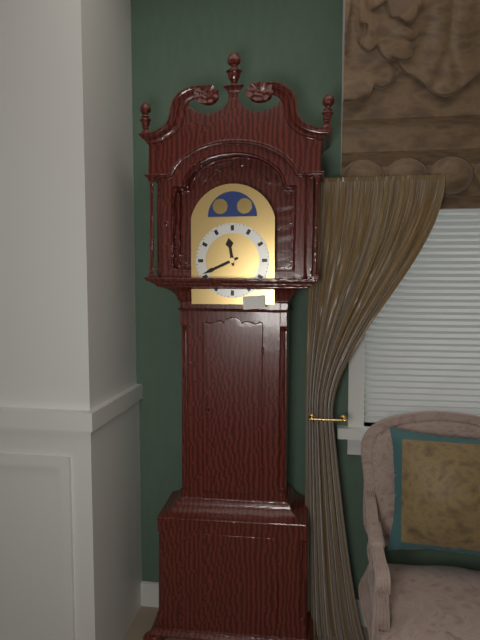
11:41
